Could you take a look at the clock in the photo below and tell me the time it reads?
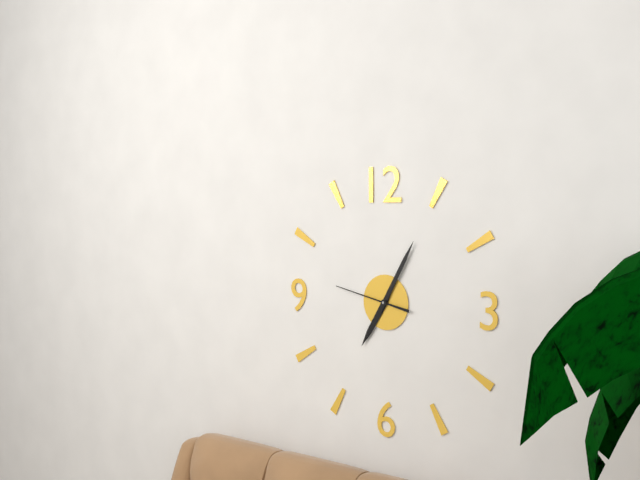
7:05:47
